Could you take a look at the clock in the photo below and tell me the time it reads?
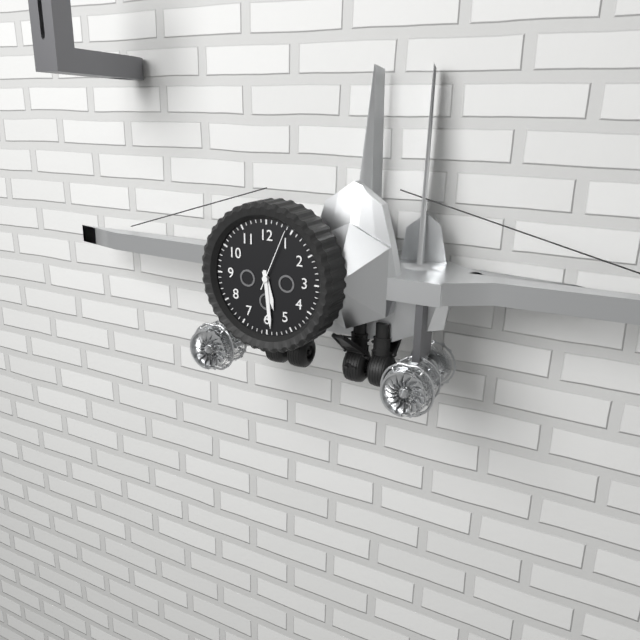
5:29:04
